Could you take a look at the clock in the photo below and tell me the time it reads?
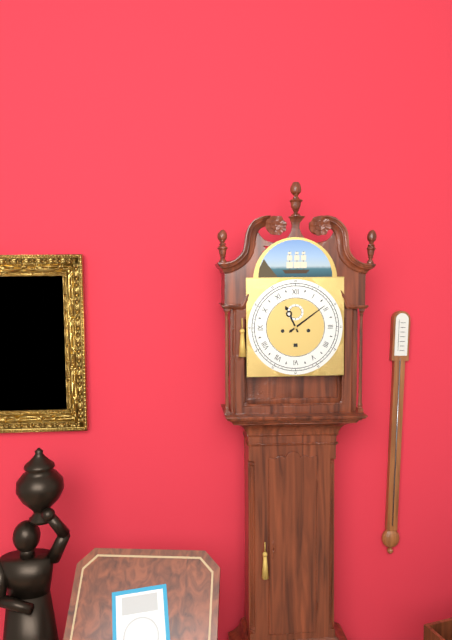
11:09
